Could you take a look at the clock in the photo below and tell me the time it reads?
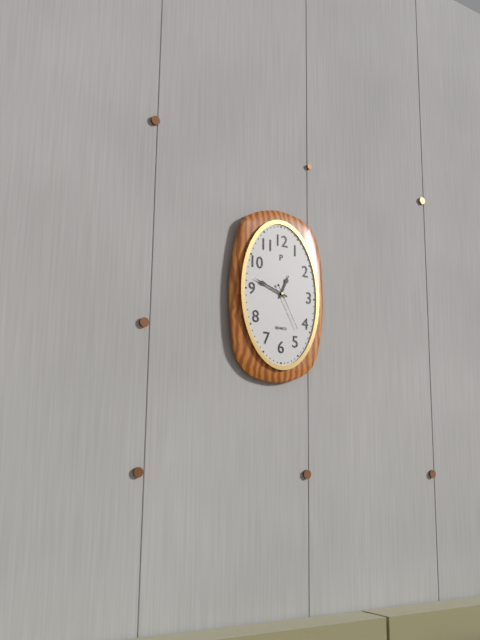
12:48
